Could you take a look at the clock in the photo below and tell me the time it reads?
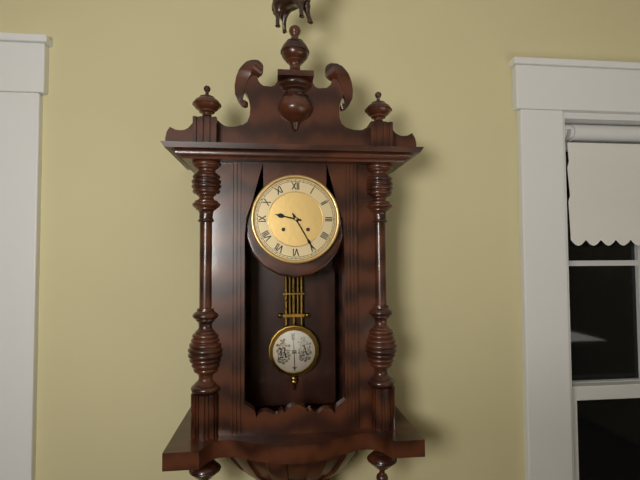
9:25
